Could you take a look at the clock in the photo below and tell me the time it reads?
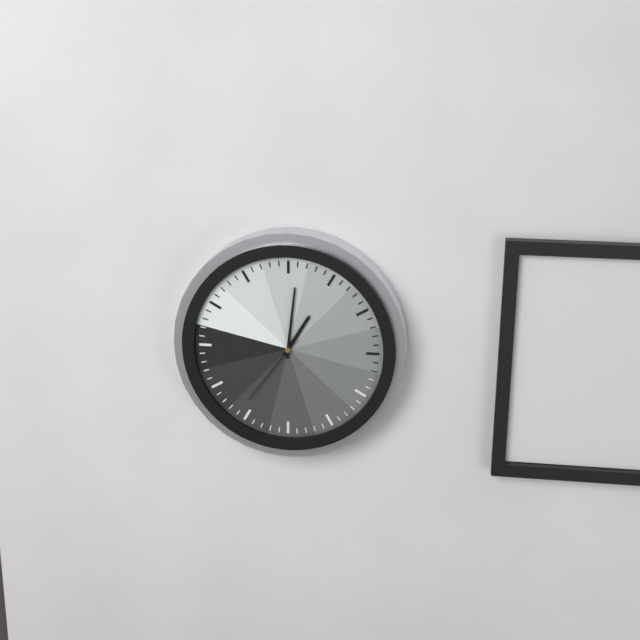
1:01:36
